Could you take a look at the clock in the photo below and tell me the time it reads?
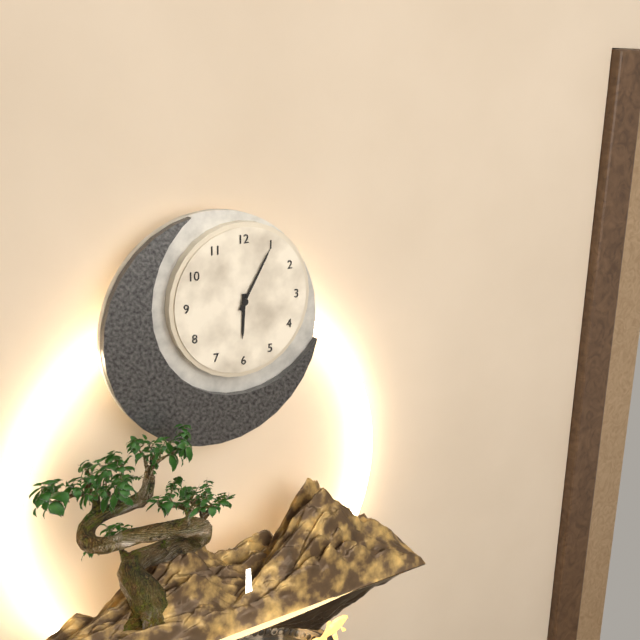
6:05
